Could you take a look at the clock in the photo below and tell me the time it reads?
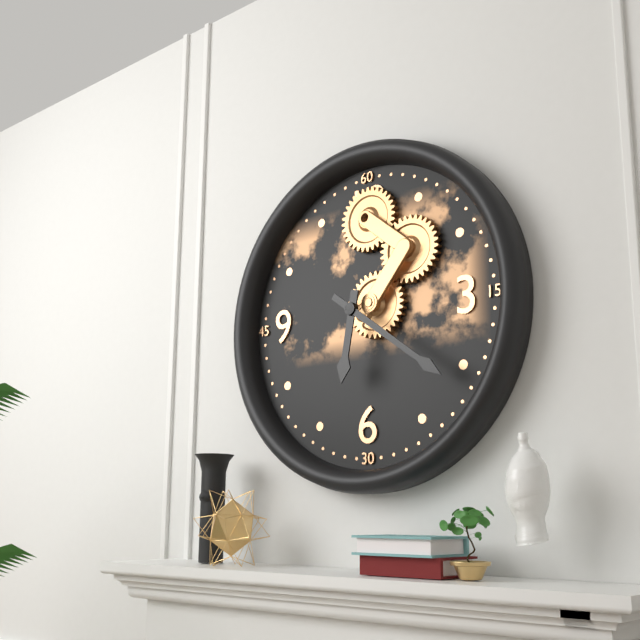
6:21
